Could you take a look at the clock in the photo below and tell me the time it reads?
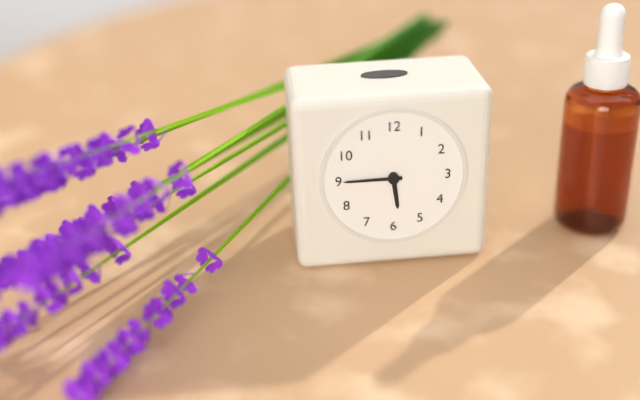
5:45
